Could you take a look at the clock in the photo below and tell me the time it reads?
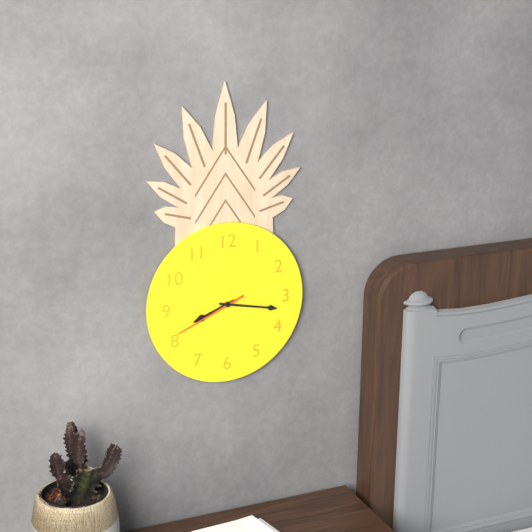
8:17:41
